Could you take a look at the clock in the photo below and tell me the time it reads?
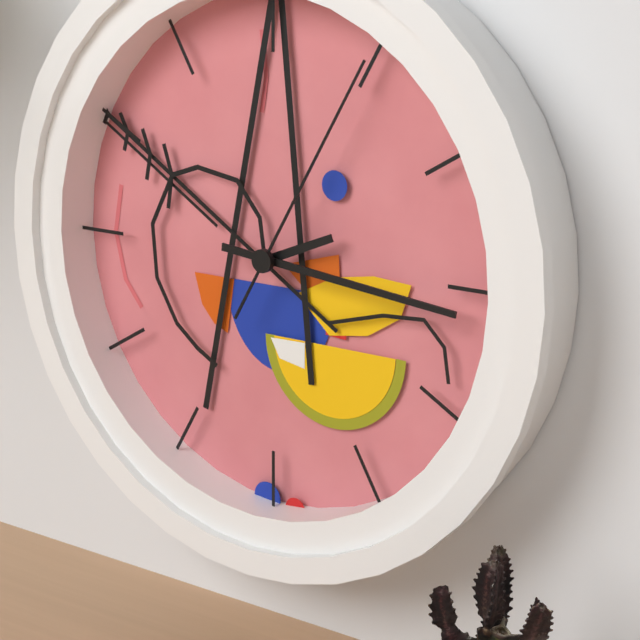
2:16:05
